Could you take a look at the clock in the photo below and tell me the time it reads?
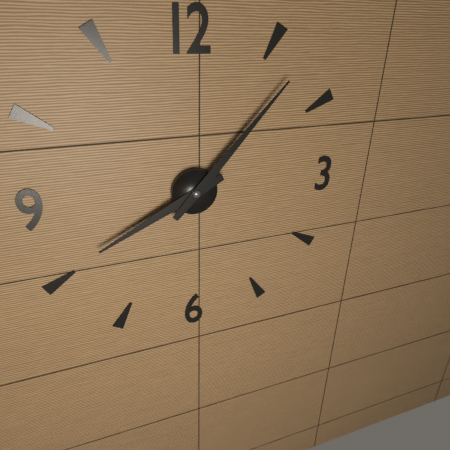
8:07
